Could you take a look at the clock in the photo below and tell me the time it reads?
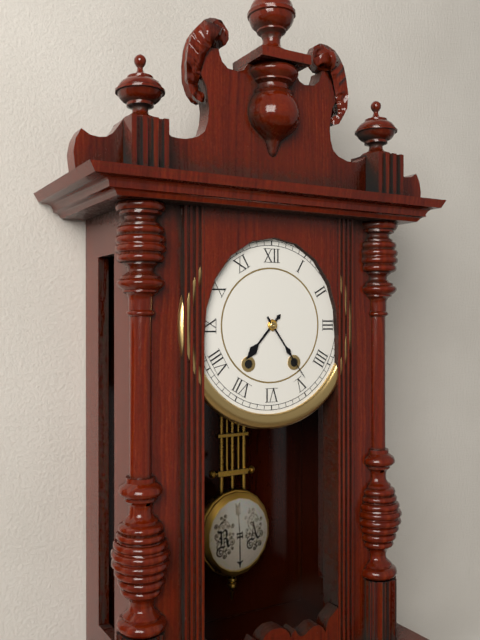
7:24
